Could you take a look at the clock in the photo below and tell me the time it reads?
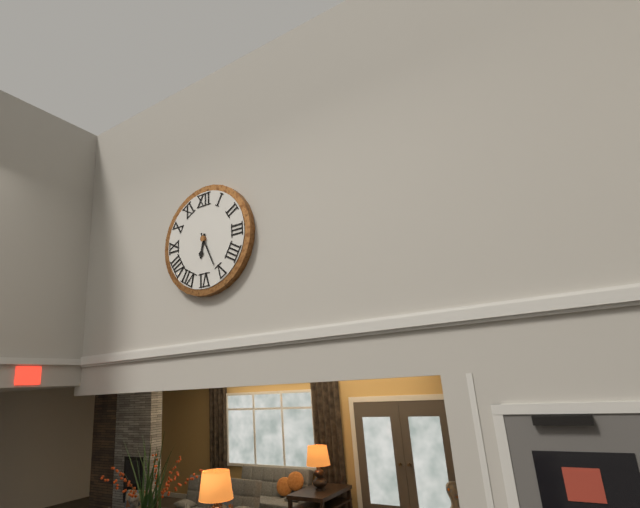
6:26
